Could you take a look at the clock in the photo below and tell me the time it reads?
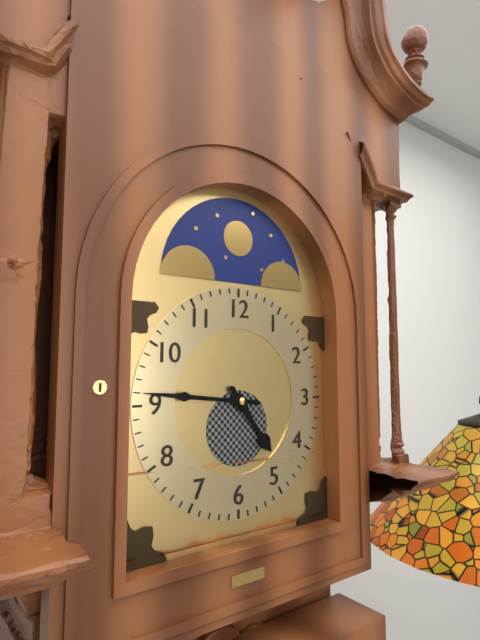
4:46
